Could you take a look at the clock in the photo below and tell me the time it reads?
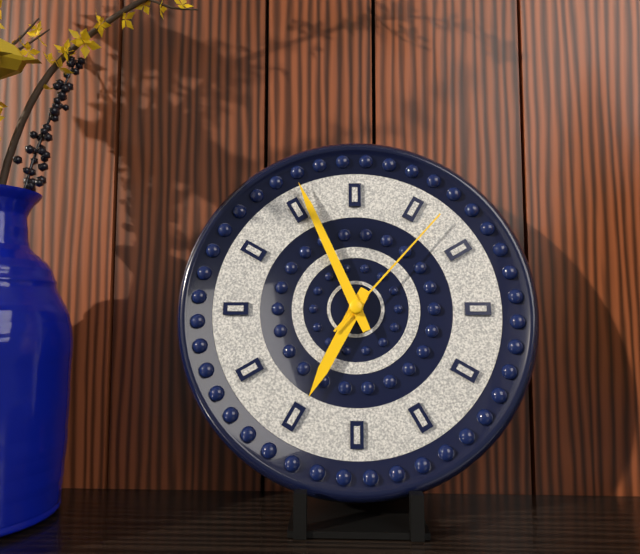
6:56:07
